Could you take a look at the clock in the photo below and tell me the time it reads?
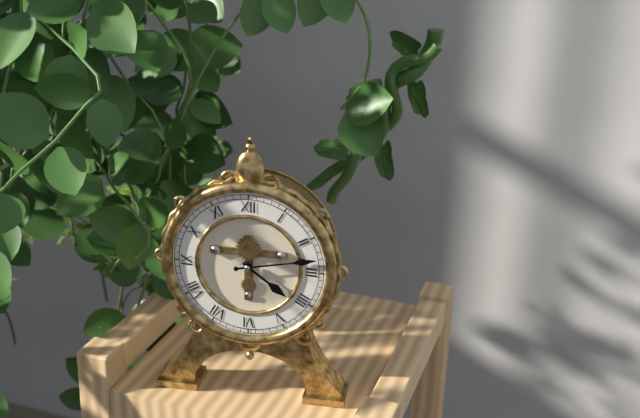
4:13
